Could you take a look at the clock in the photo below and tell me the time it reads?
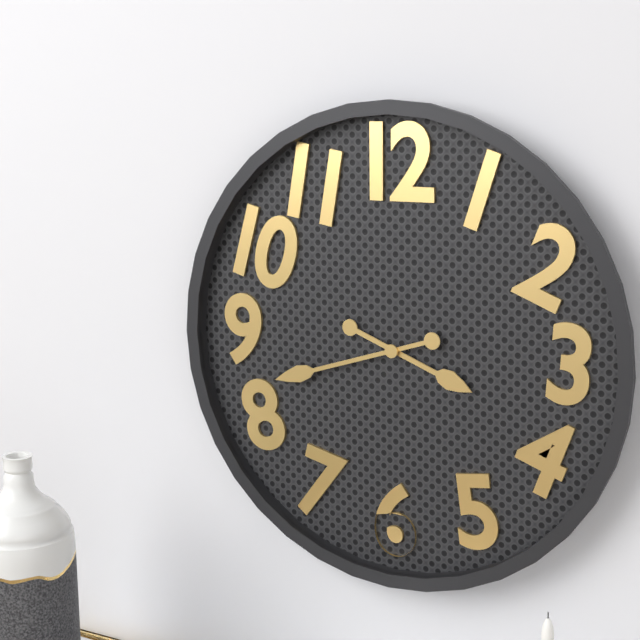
3:42
